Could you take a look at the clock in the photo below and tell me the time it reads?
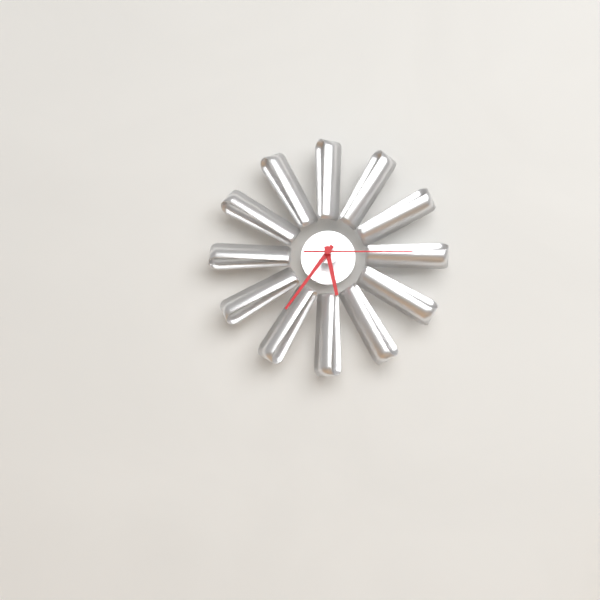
5:36:15
